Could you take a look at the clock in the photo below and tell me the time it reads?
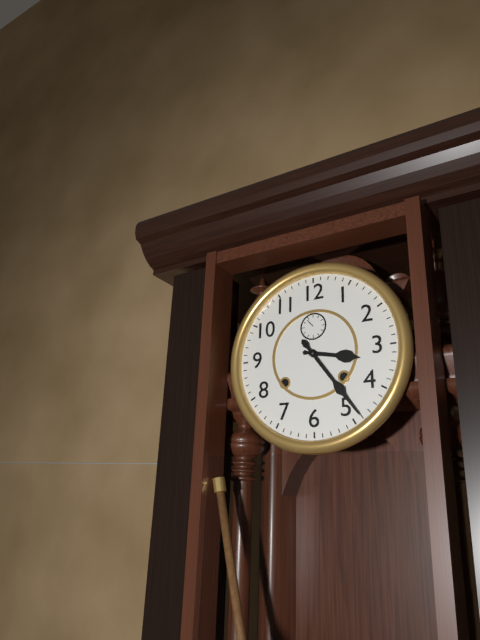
3:24
